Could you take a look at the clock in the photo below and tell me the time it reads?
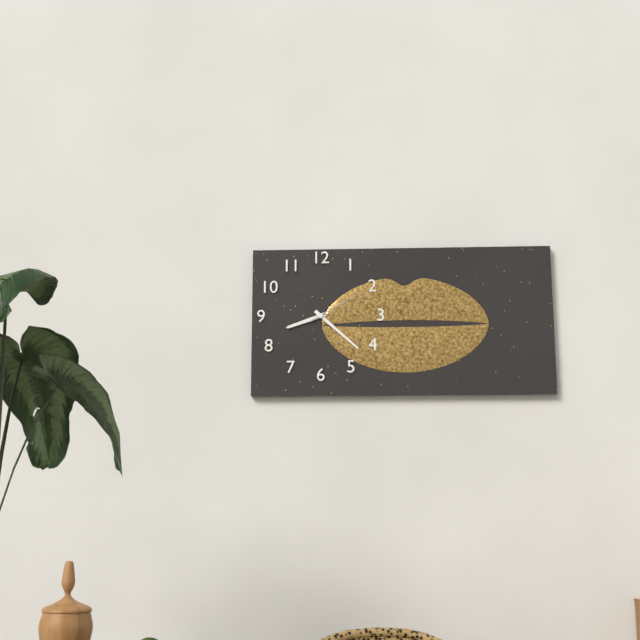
8:22:10
